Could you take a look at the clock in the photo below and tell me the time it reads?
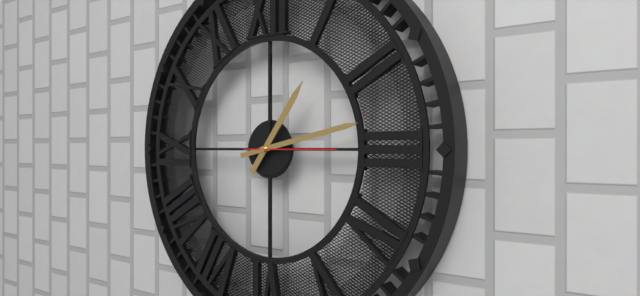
1:13:15
